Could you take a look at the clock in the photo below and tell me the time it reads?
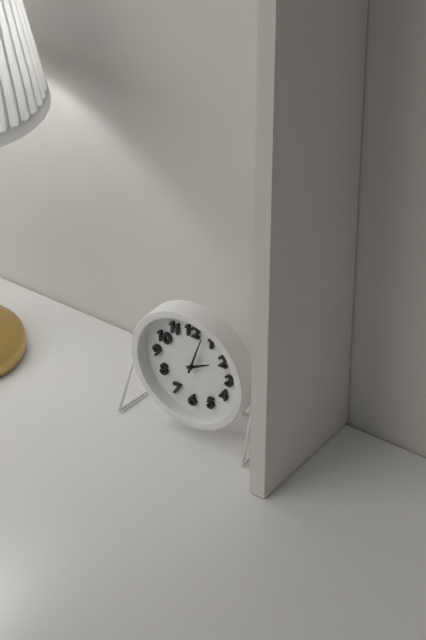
2:03
